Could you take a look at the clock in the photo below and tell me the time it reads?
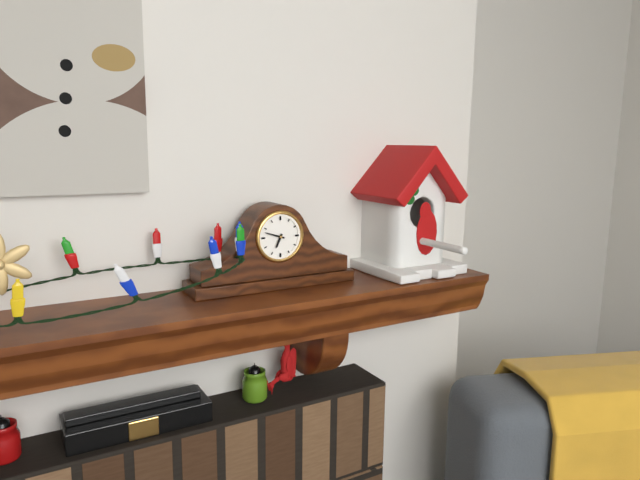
6:48
